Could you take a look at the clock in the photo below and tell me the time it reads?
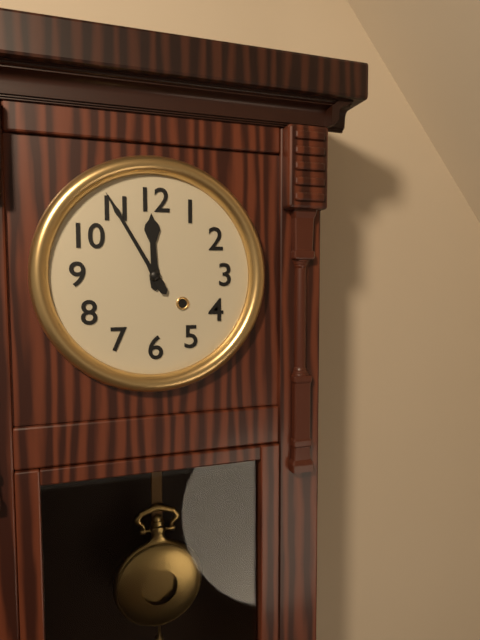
11:55
